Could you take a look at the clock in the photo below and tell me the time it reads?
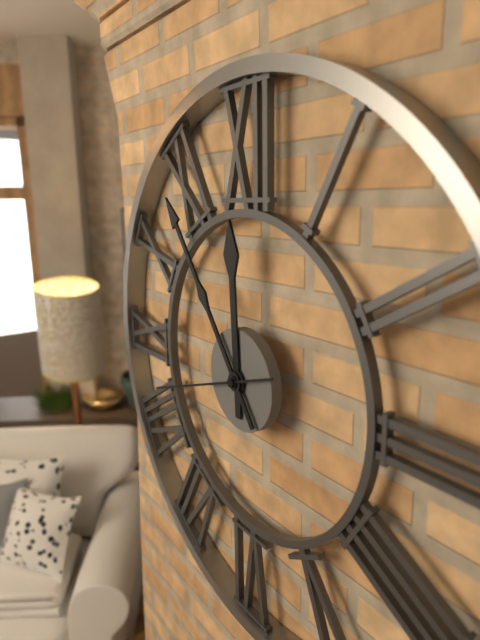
11:54:42
